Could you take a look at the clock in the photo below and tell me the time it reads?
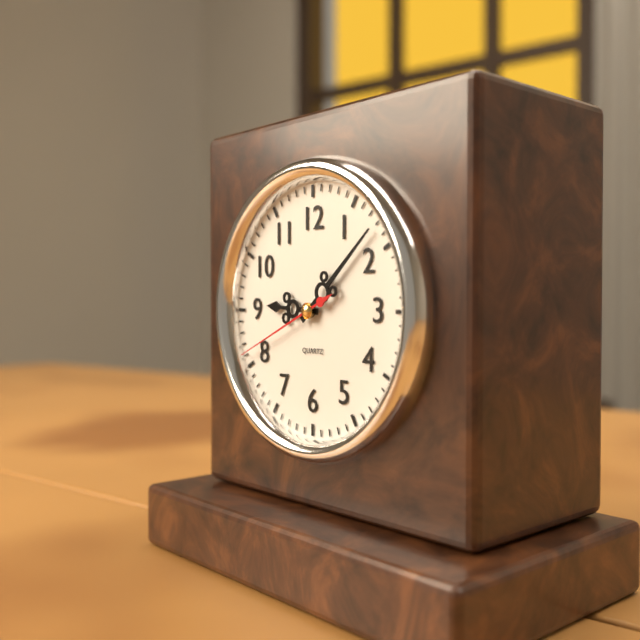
9:08:41
